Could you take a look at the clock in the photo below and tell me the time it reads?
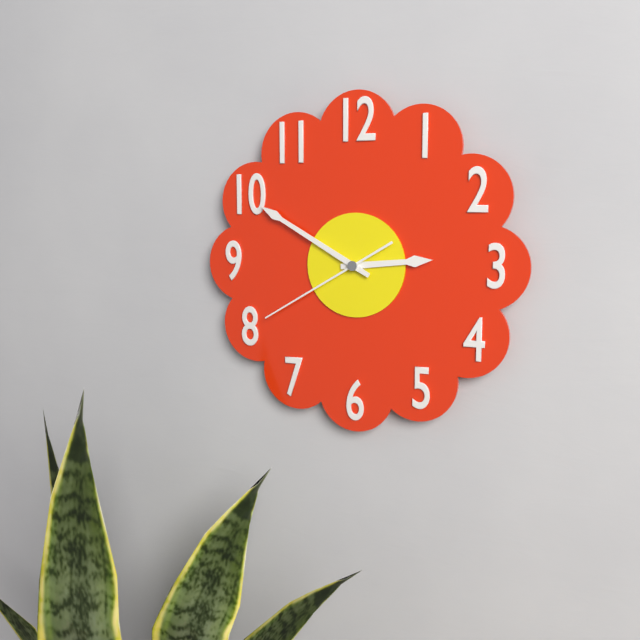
2:50:40
